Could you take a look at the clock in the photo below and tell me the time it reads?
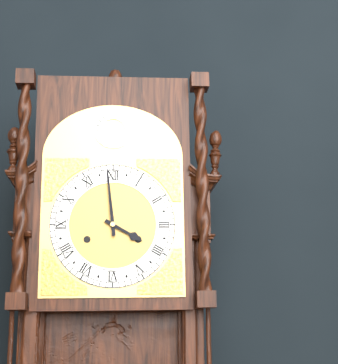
3:59
